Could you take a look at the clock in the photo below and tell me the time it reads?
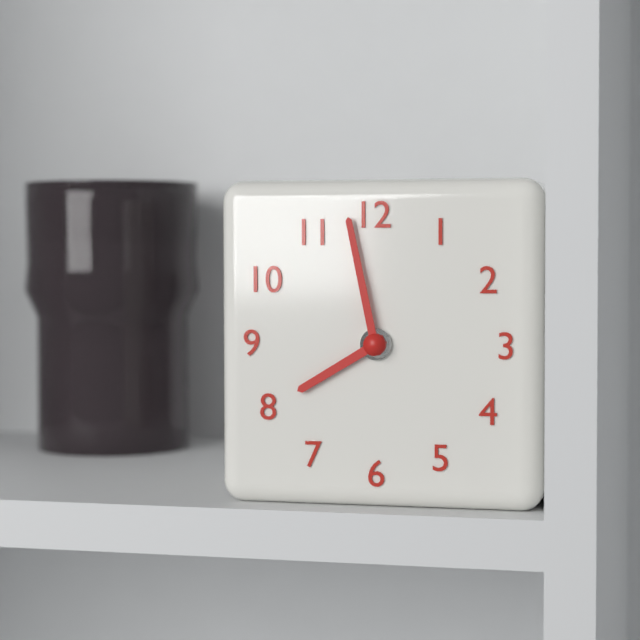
7:58
